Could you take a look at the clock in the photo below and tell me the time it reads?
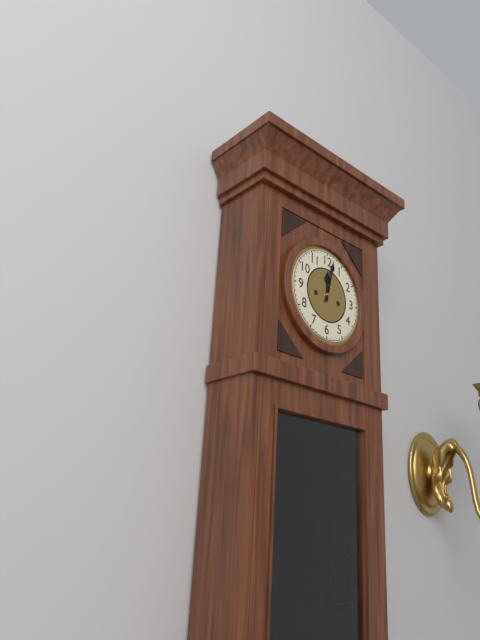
12:02
